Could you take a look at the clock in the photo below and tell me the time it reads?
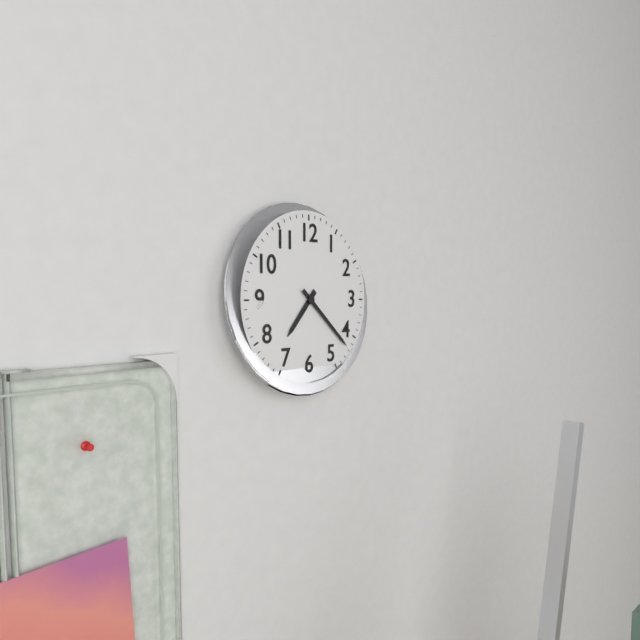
7:22
